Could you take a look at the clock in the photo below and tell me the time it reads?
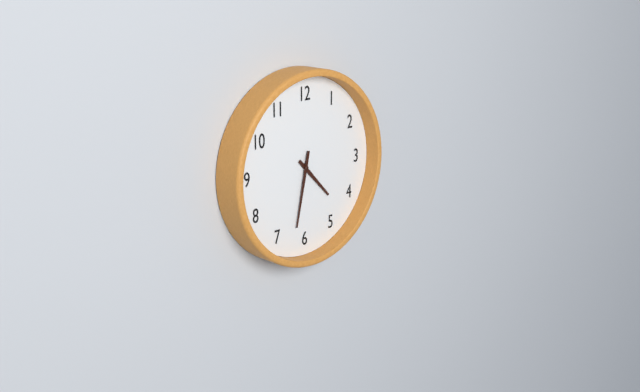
4:32
